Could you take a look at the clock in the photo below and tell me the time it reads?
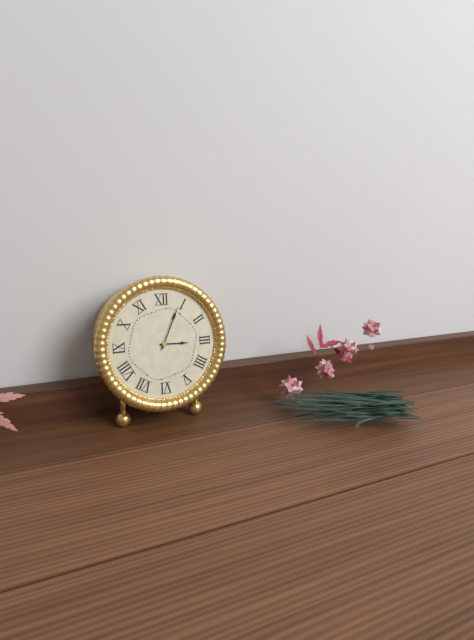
3:04
